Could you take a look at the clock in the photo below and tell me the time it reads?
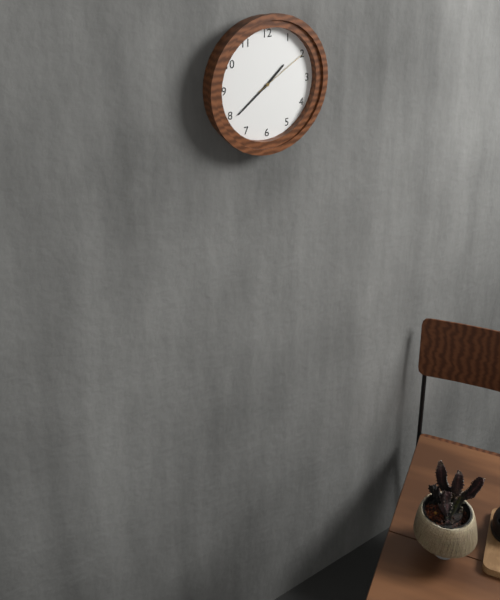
1:39:10
